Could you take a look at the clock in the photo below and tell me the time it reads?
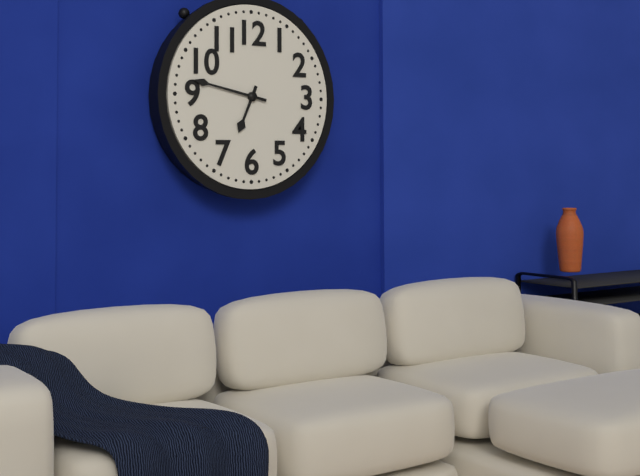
6:47
